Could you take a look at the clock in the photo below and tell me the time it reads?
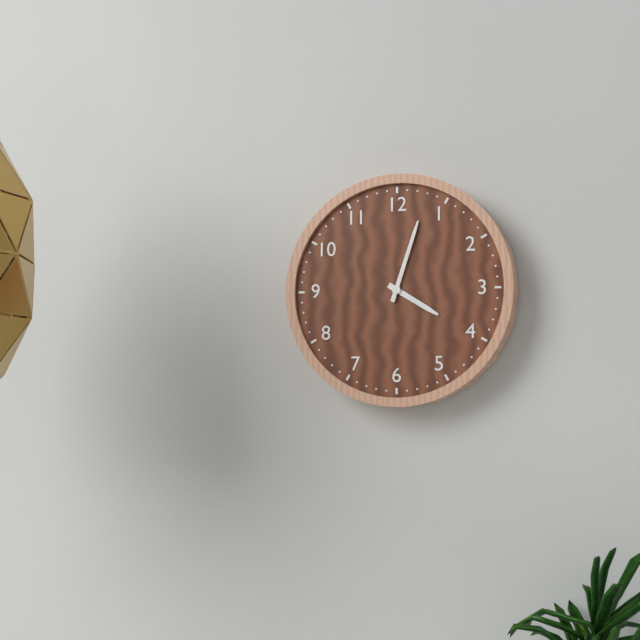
4:03
